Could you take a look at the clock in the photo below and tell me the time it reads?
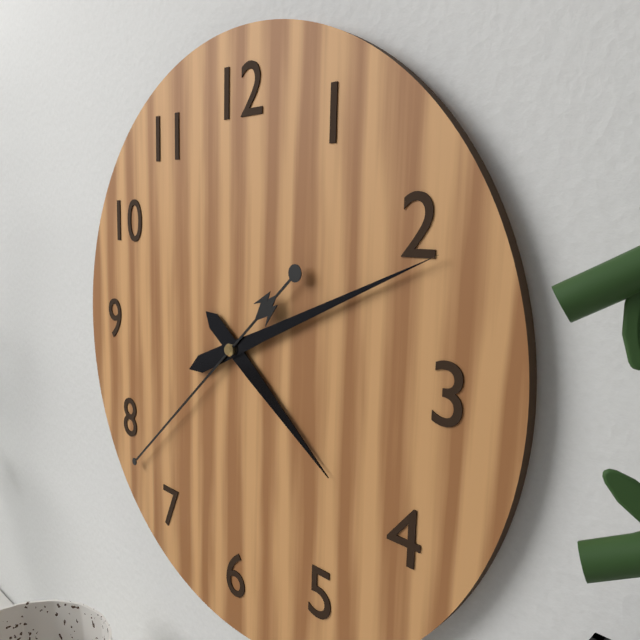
4:11:38
